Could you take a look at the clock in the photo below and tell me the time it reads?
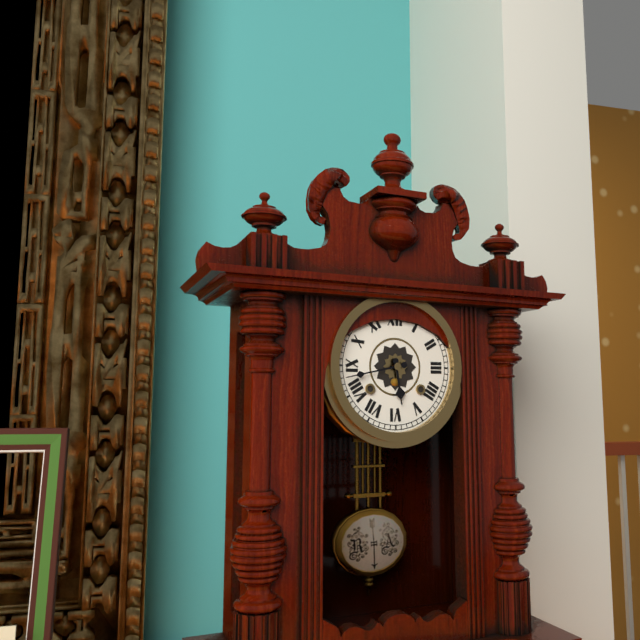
5:43
